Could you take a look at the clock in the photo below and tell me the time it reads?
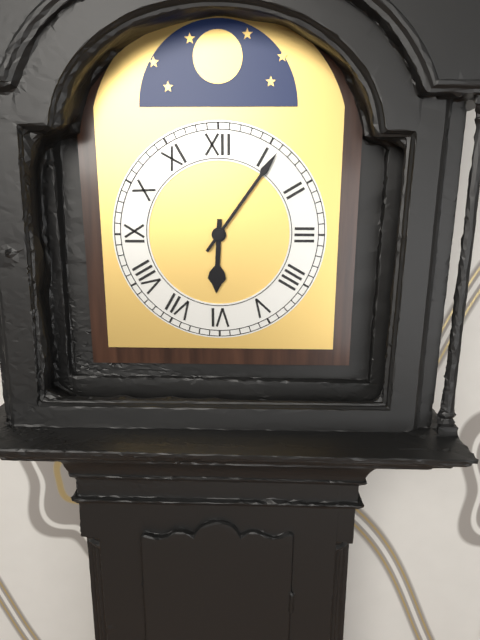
6:06
